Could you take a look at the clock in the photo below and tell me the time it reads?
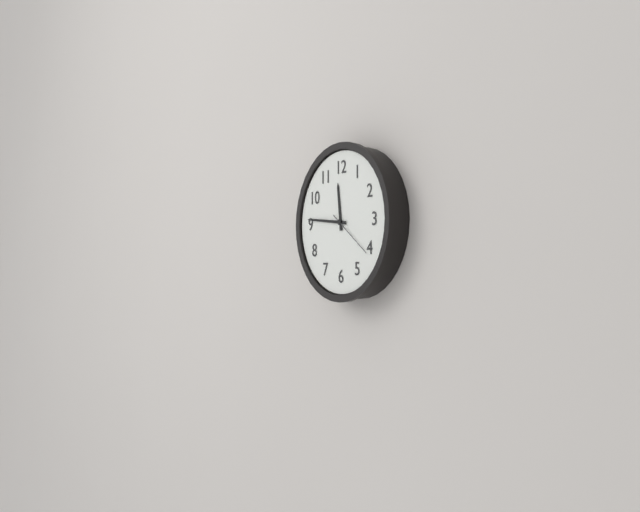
11:46
